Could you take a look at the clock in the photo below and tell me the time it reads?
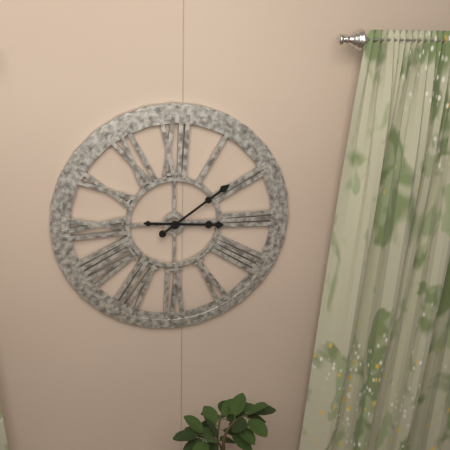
3:09
